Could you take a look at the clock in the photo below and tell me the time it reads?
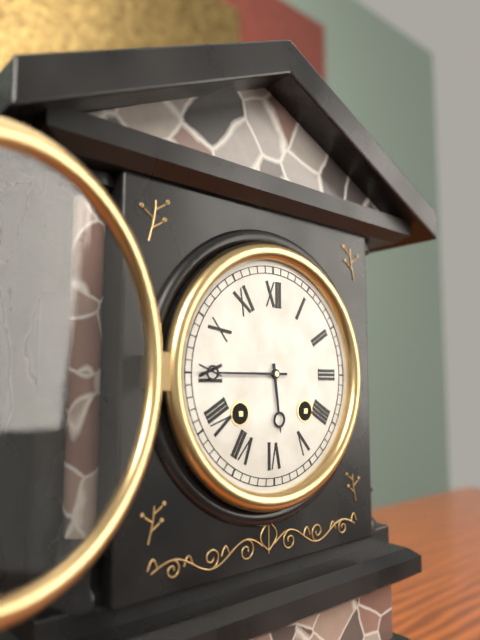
5:45
